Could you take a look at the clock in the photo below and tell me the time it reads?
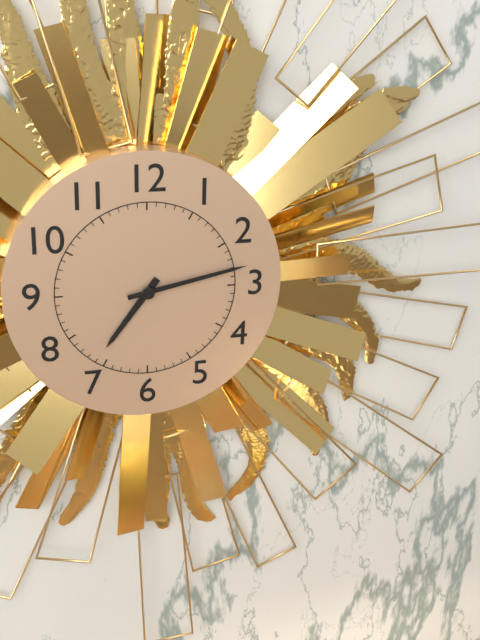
7:13
